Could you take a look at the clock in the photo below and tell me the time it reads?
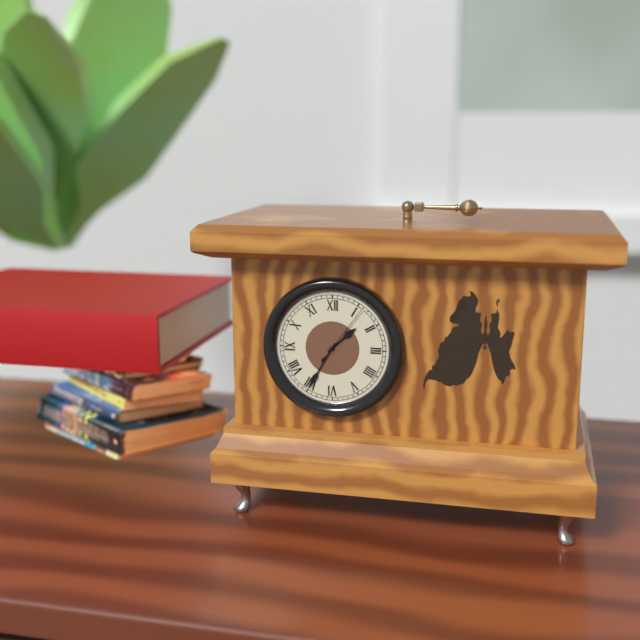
1:35:06
